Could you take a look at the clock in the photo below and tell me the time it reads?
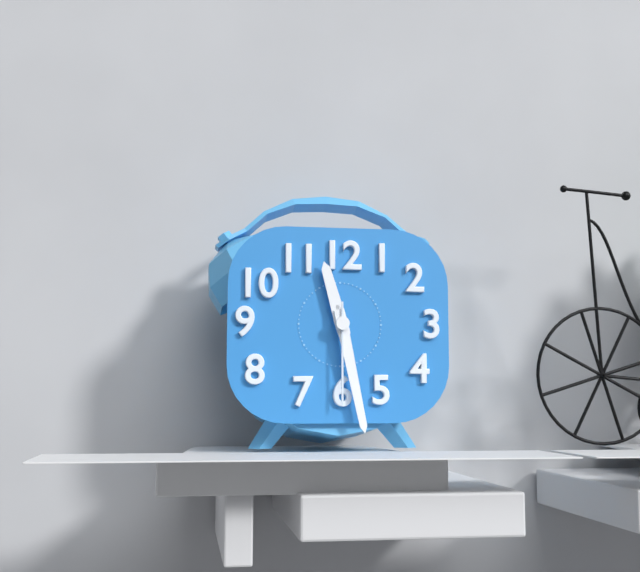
11:28:30
